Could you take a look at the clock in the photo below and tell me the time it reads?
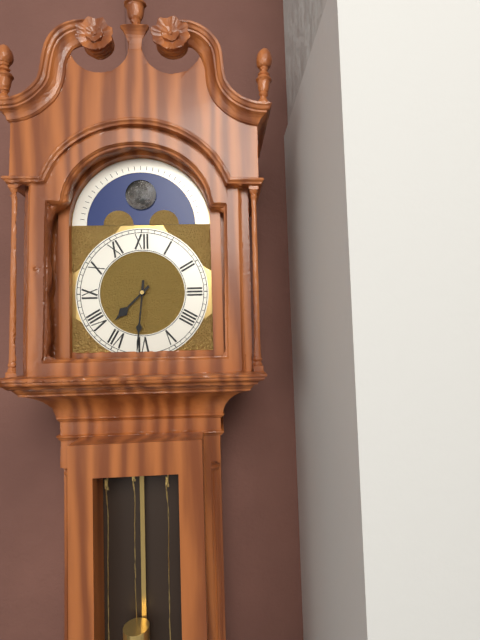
7:31
